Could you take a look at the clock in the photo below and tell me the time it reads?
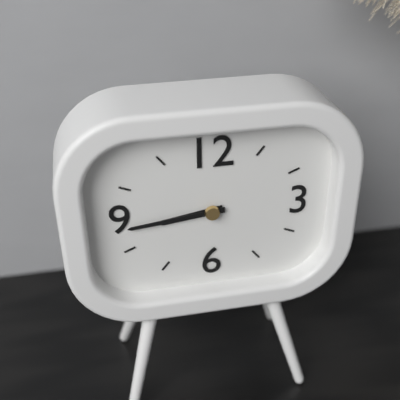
8:44
